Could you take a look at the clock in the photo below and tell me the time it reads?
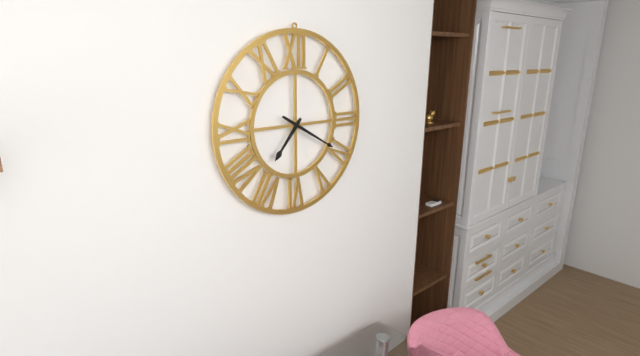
7:20
